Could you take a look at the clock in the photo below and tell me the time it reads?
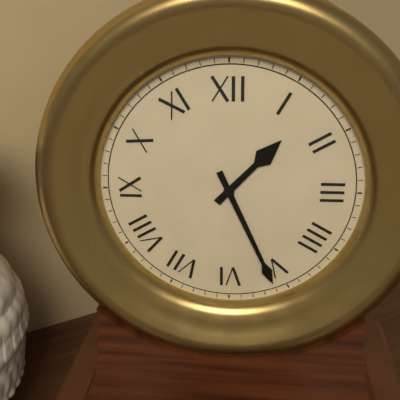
1:26
